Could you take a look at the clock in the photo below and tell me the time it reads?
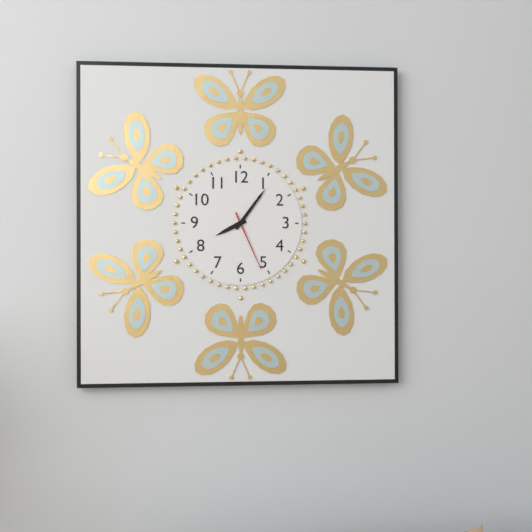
8:06:26
